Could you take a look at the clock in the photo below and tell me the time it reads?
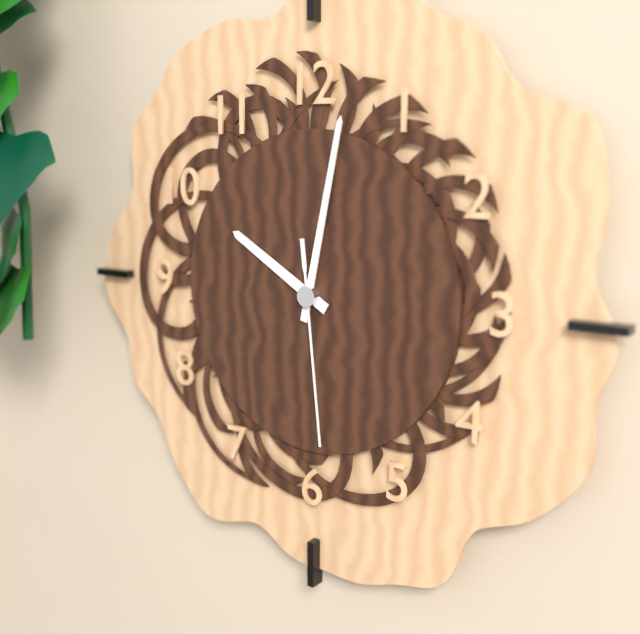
10:02:29
